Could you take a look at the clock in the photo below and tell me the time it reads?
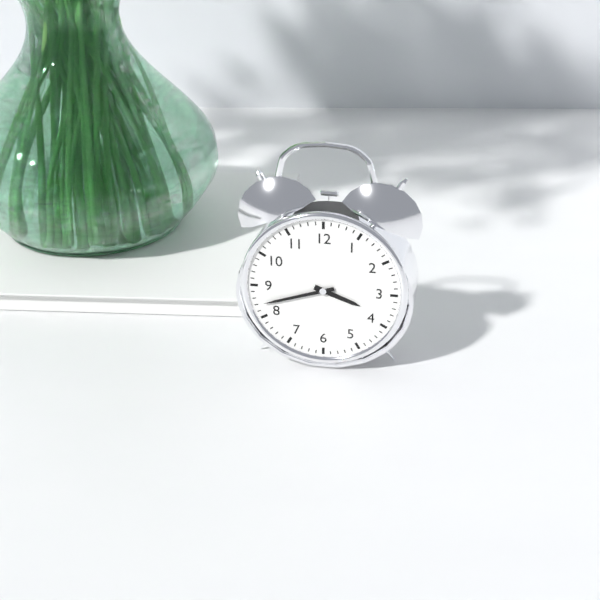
3:42
